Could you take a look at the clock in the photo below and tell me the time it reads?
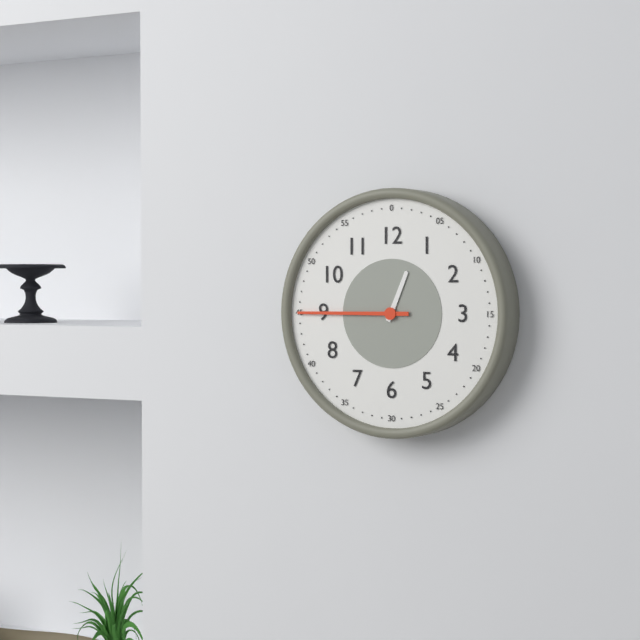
12:45
